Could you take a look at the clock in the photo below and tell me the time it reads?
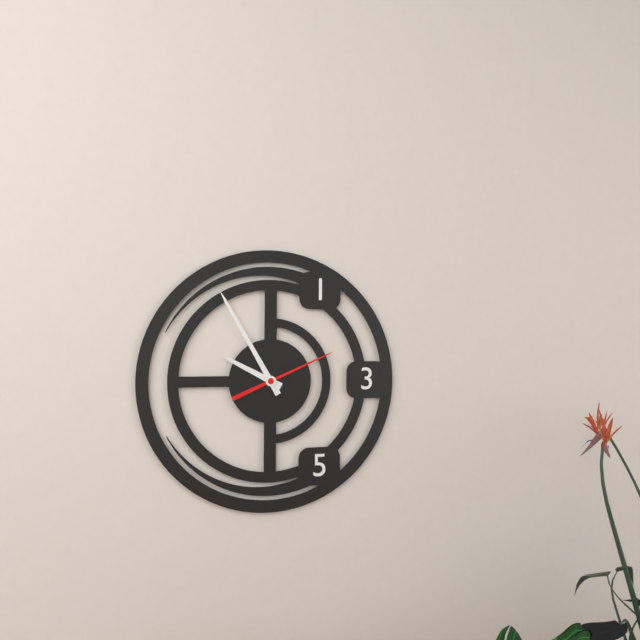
9:55:11
